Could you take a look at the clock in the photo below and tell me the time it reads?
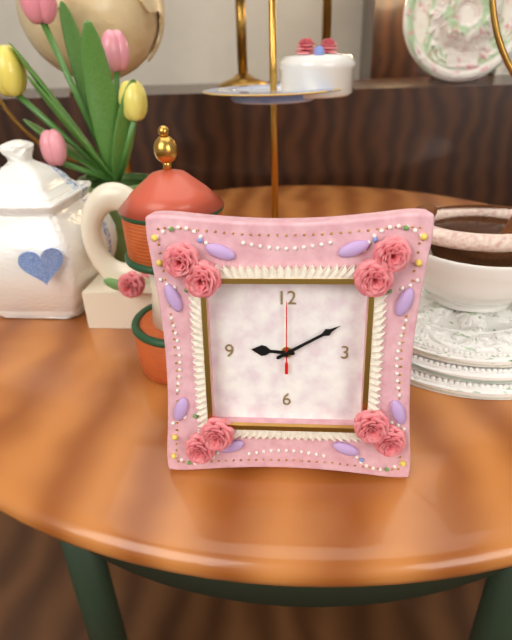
9:10:00
